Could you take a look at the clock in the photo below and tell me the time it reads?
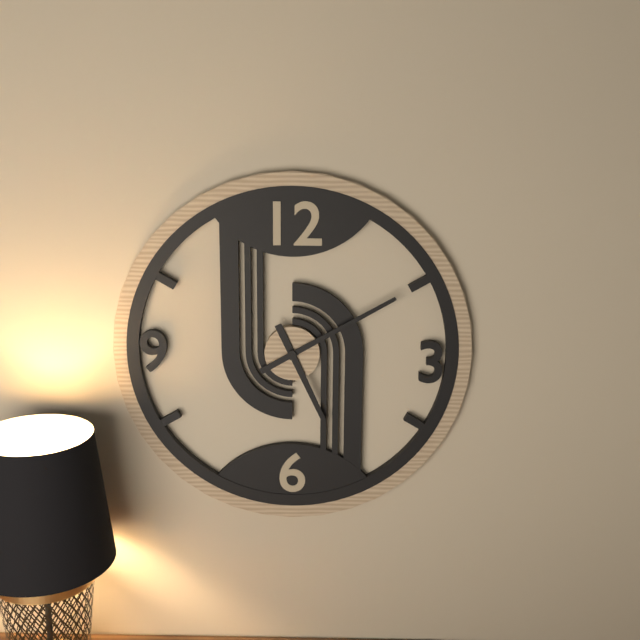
5:10
